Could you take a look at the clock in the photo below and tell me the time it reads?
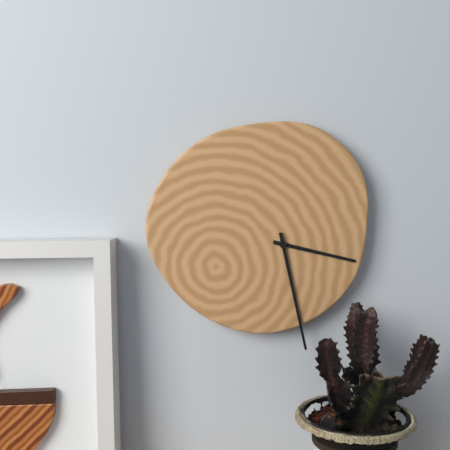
3:28
